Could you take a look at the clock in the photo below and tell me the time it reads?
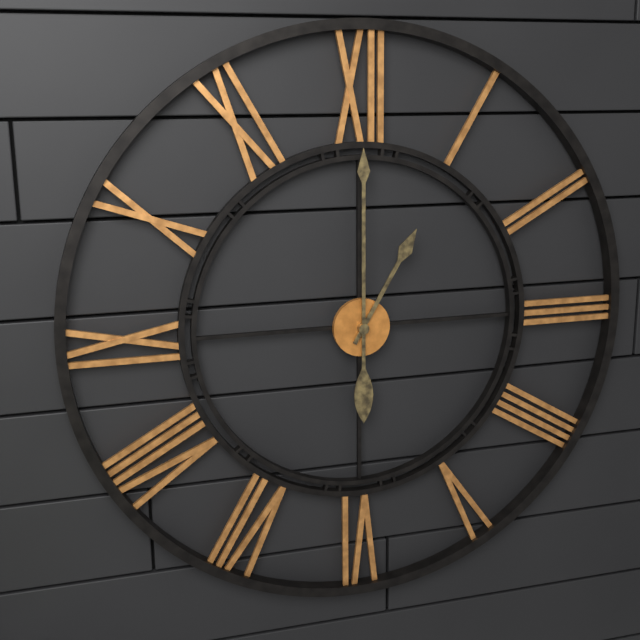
1:00
